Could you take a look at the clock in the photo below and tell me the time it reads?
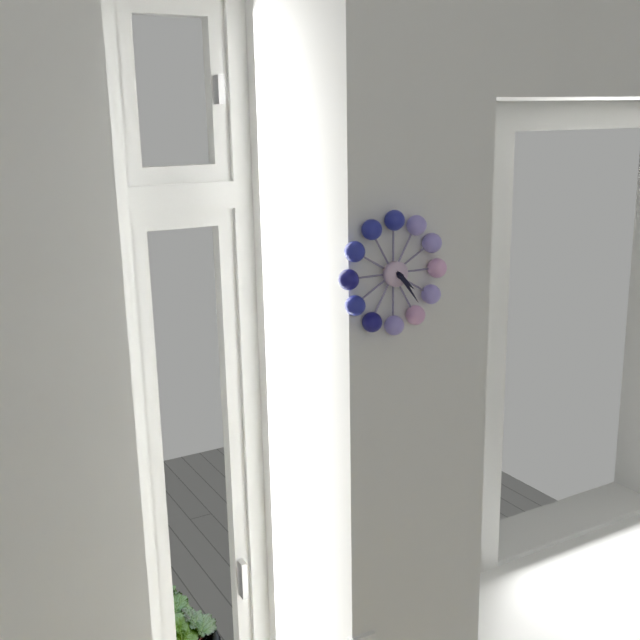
4:24
